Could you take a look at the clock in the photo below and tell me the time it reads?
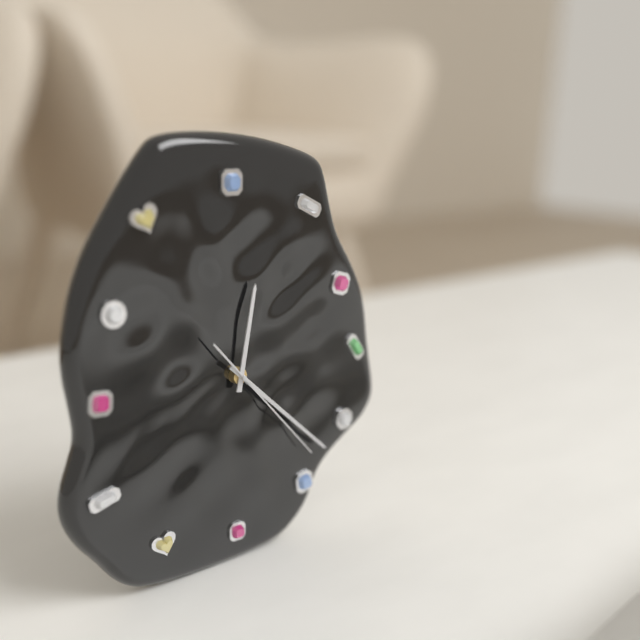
12:22:23
